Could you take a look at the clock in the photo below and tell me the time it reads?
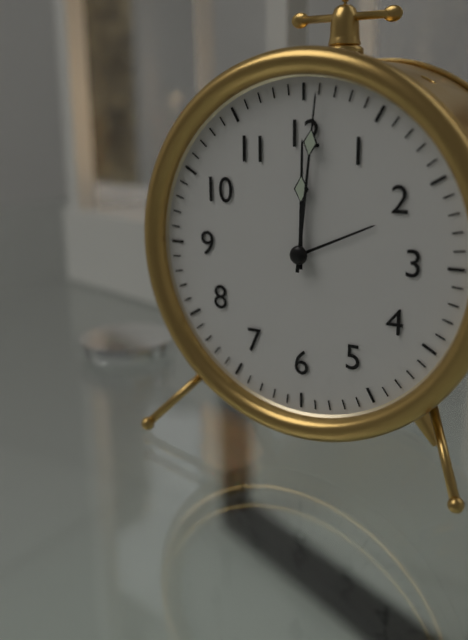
12:01
